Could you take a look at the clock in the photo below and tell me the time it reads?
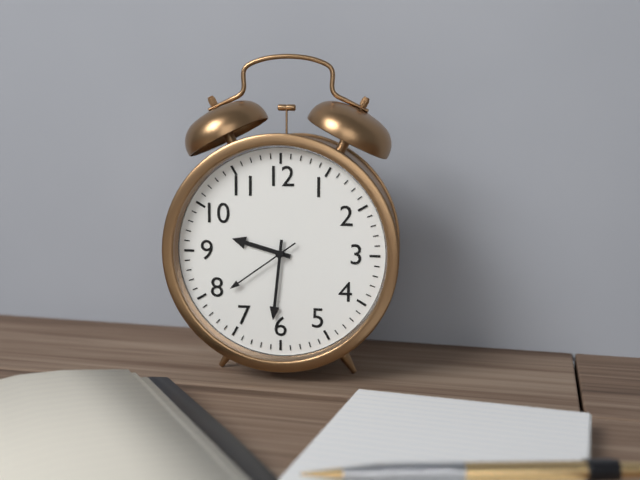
9:31:39
